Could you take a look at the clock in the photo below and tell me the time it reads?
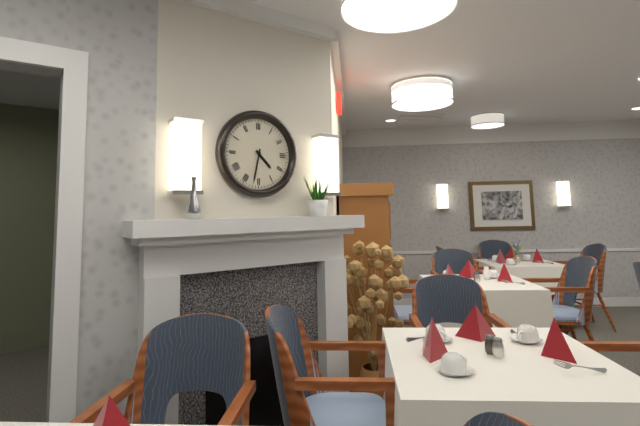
4:32
